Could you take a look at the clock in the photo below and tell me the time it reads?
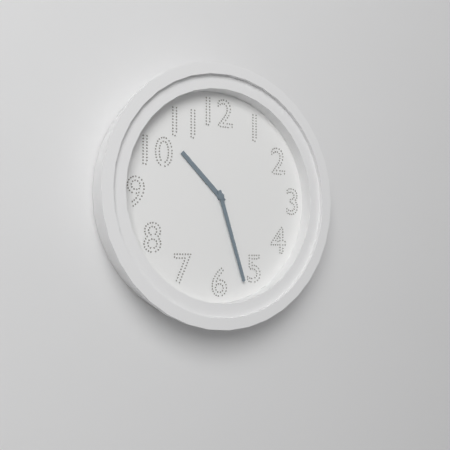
10:27
